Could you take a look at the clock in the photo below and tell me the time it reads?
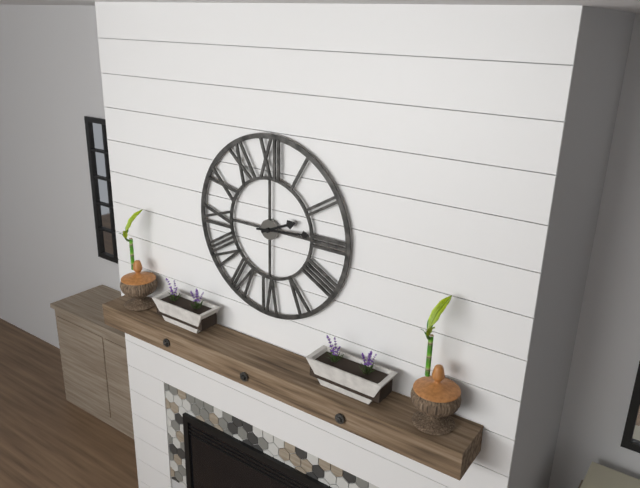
2:14
